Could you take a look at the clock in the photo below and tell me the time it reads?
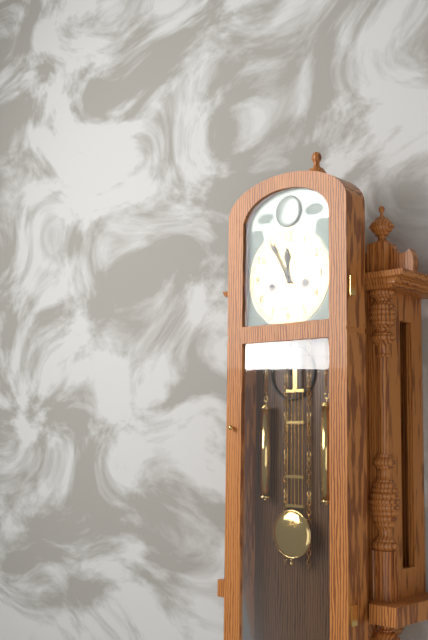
11:55
